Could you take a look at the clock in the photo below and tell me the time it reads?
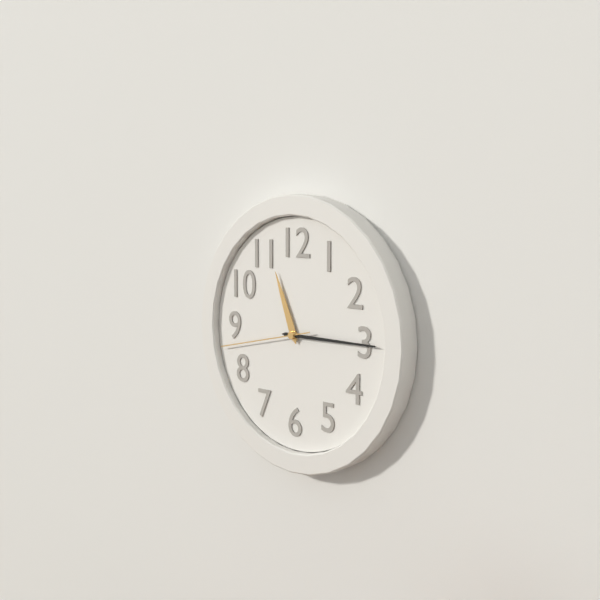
11:15:43
